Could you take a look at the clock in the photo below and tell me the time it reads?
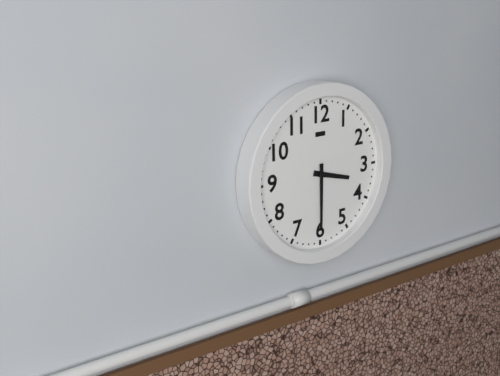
3:30
